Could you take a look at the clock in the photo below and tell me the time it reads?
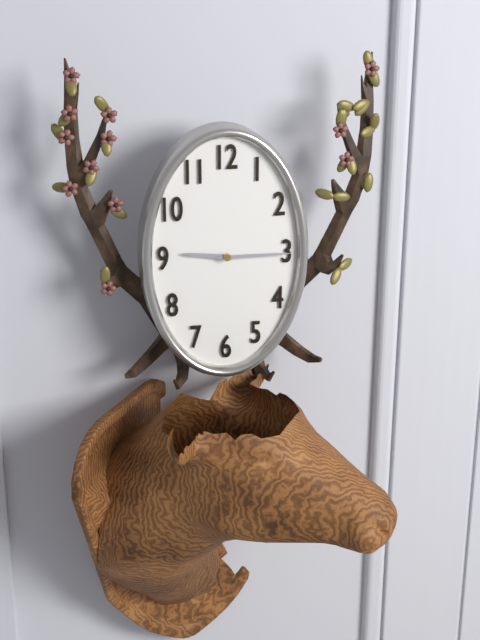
9:15
